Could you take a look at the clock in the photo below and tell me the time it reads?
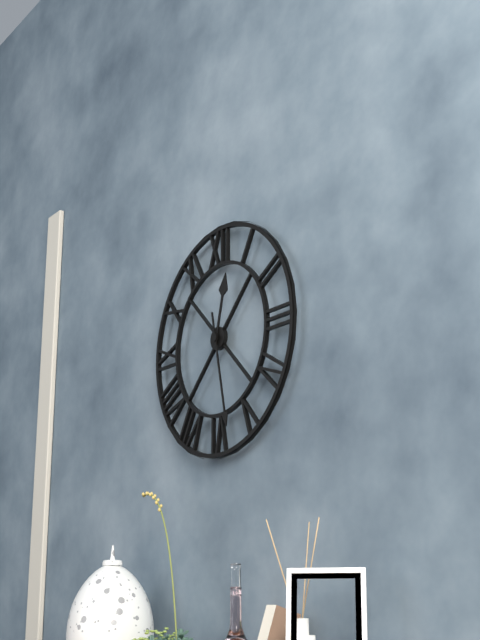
12:28
